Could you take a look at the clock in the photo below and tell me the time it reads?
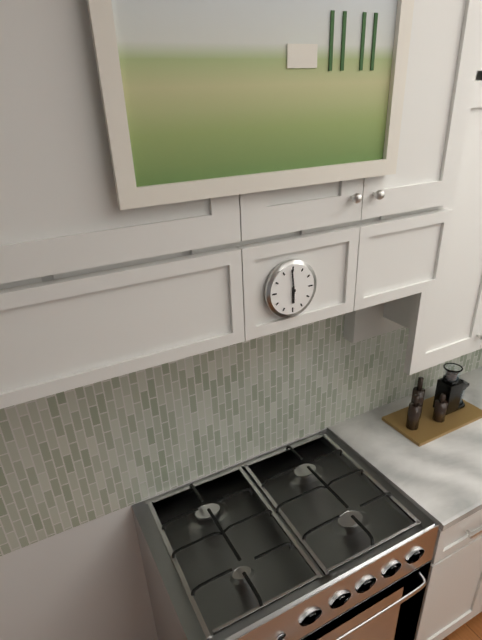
5:59
